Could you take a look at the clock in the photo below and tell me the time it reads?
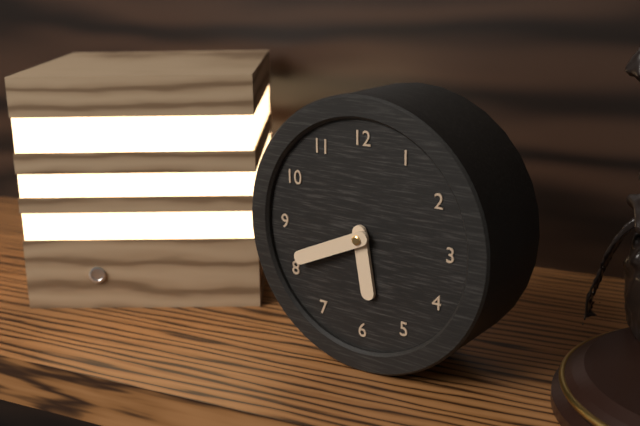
5:41
